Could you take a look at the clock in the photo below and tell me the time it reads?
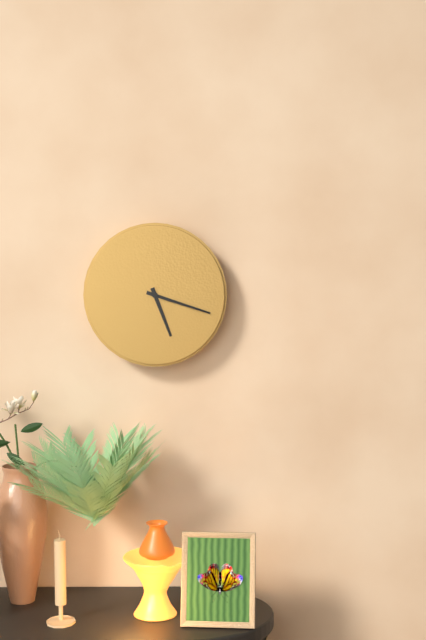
5:18
